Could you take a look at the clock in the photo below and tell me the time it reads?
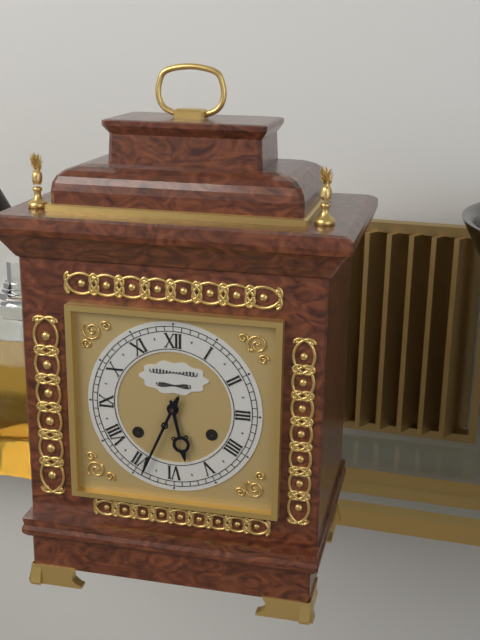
5:34
